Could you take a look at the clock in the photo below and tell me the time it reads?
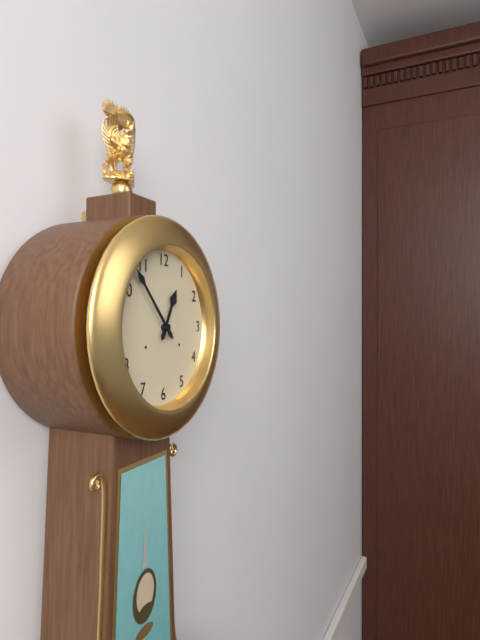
12:53
